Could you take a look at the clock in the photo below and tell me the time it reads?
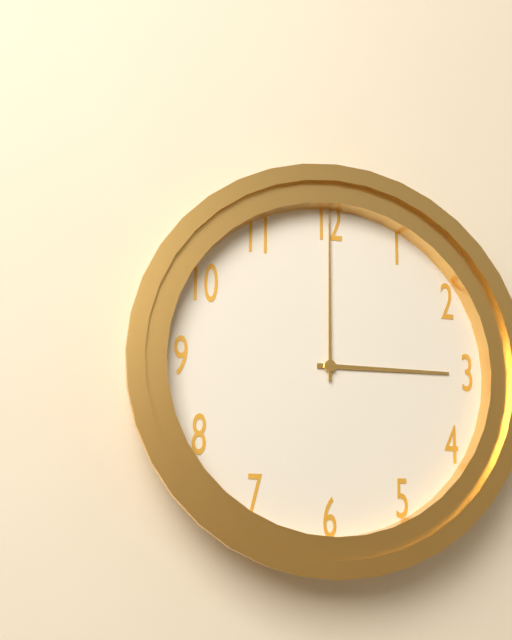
3:00
